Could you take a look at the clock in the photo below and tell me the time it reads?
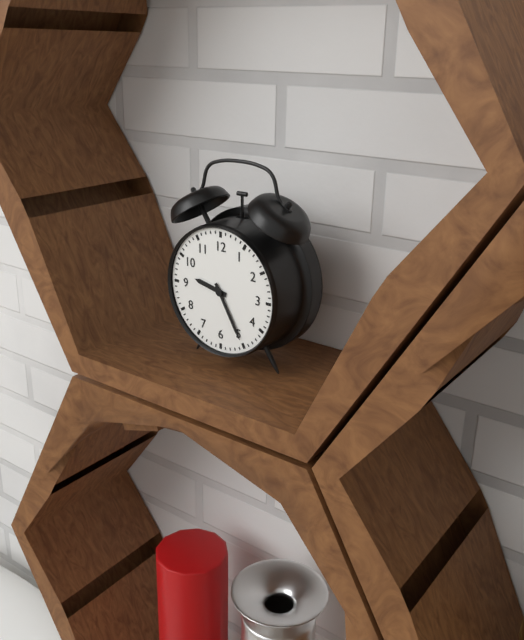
9:25
